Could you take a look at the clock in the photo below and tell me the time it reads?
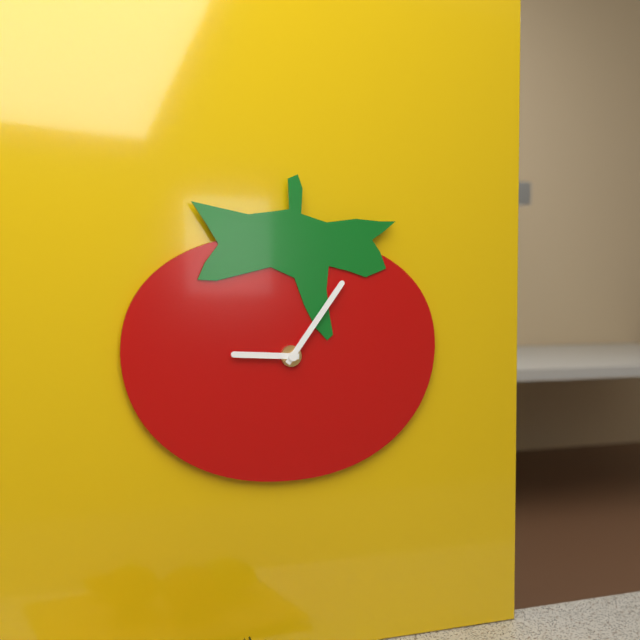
9:06
